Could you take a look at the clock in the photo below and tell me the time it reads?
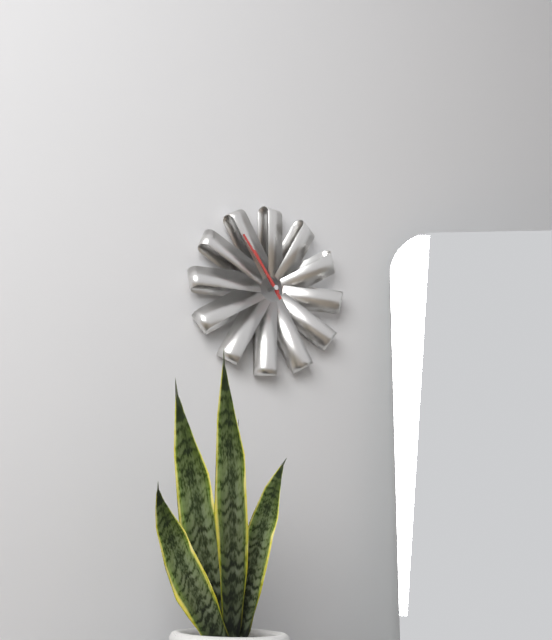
10:54
